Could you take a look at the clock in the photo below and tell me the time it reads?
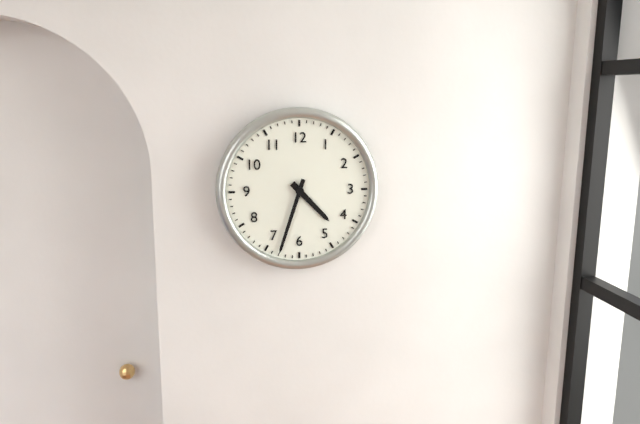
4:33
